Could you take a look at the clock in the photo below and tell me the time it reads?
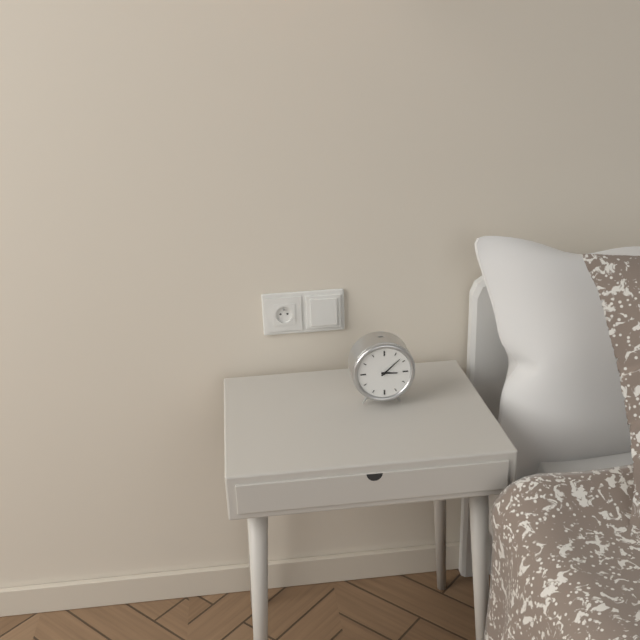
3:08
